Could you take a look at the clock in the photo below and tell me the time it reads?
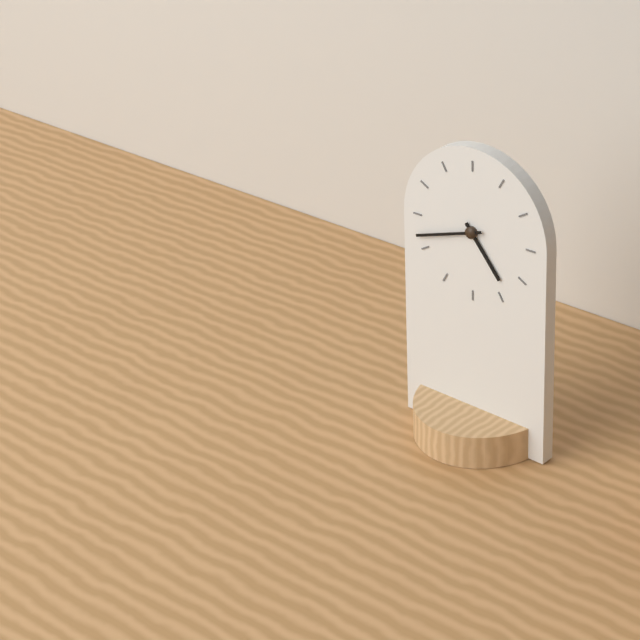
4:42
